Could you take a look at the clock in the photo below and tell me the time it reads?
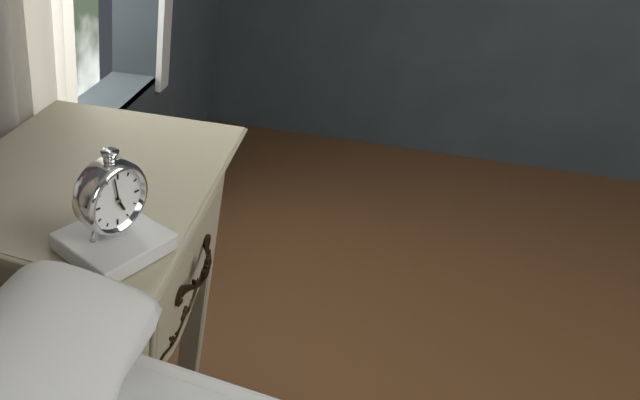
4:58
